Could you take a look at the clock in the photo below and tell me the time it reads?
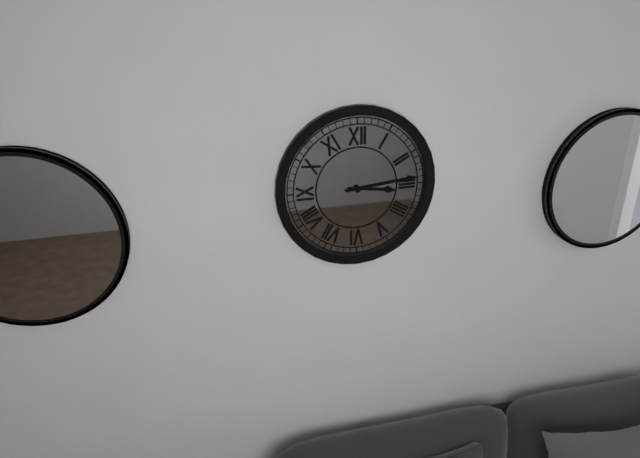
3:14
